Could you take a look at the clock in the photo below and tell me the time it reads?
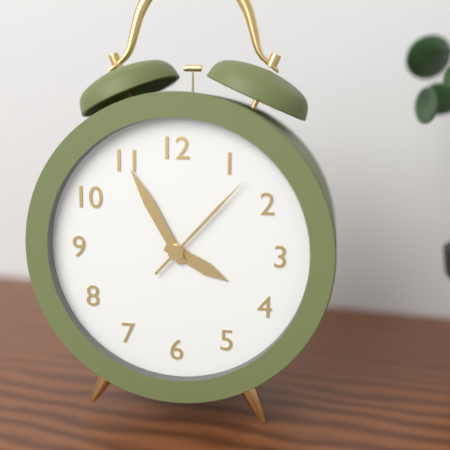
3:55:07
